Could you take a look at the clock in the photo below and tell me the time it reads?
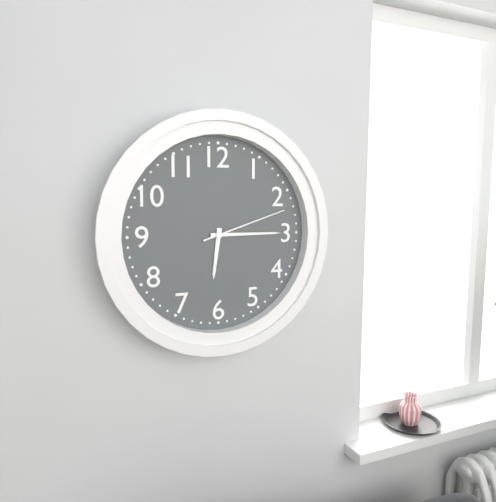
6:15:12
